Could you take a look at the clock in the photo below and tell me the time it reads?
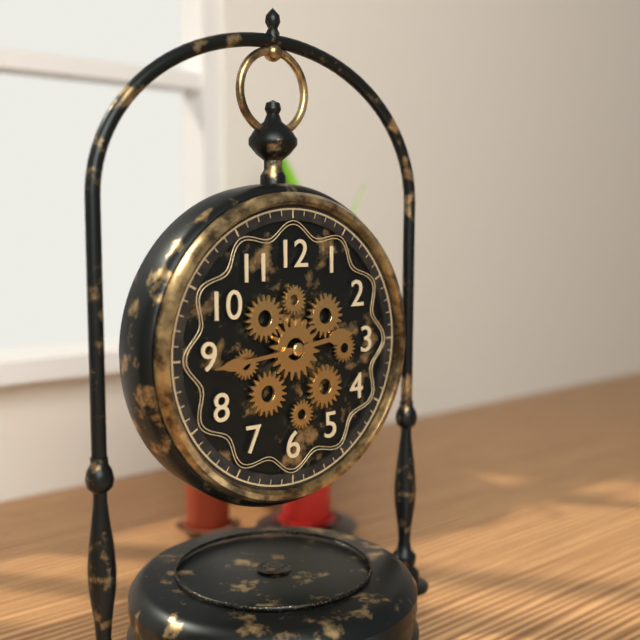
2:44
